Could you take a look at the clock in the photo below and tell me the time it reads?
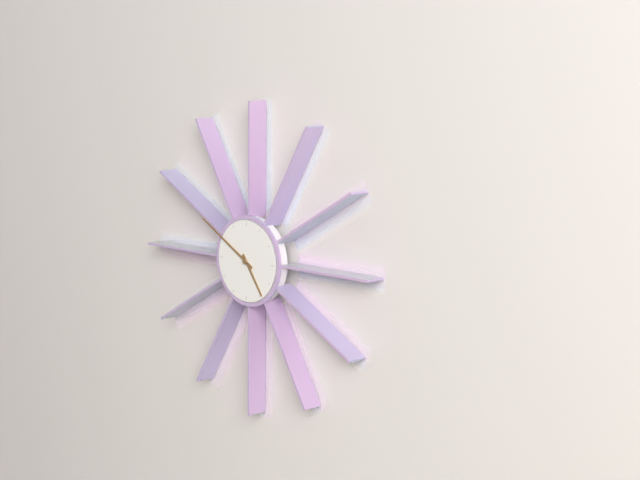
4:50
